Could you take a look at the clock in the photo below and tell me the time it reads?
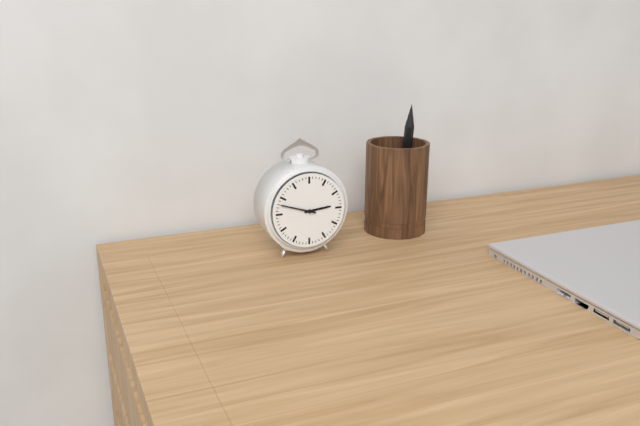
2:48
